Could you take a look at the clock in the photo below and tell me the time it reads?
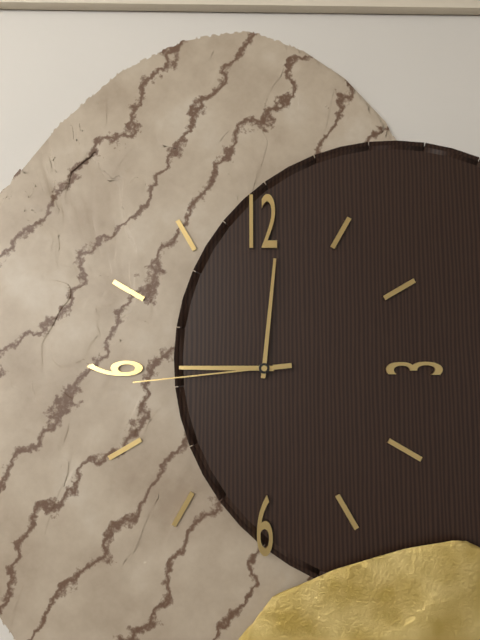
9:01:44
